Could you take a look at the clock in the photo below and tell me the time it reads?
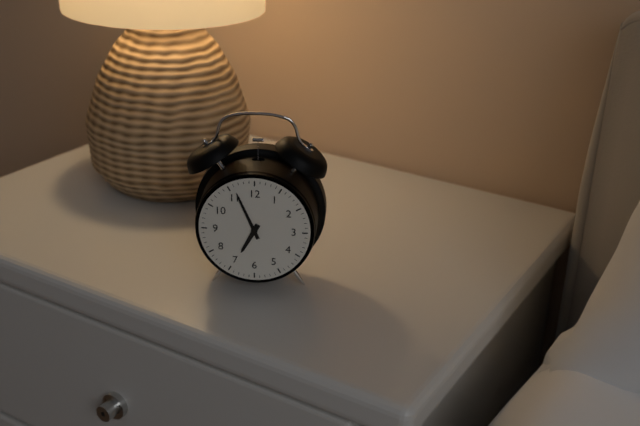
6:56
